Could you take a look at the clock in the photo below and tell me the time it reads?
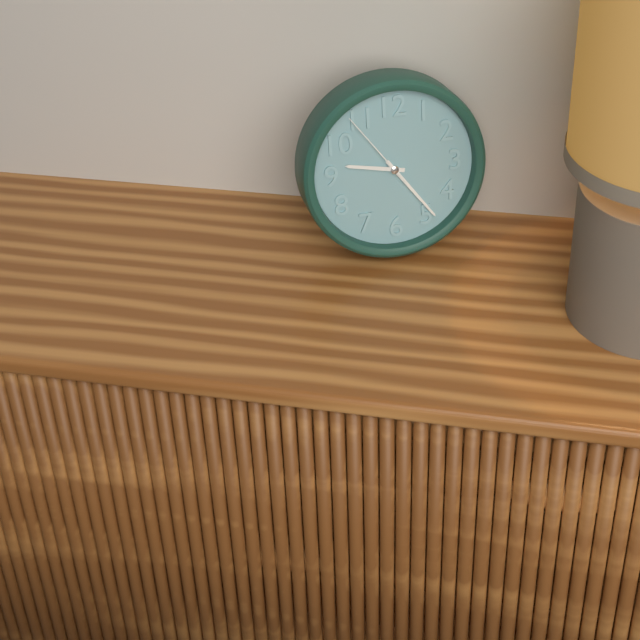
9:24:54
